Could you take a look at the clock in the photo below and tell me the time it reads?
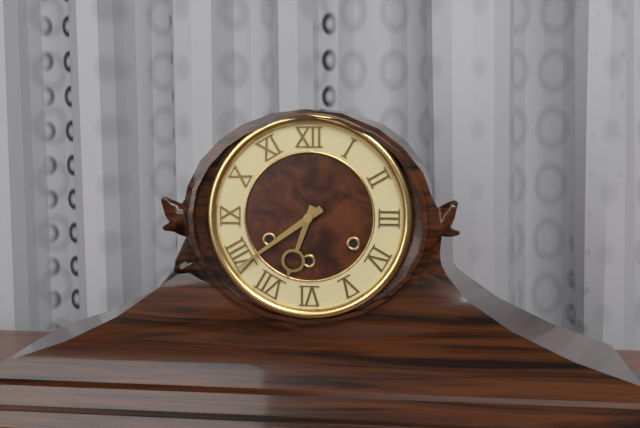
6:39
